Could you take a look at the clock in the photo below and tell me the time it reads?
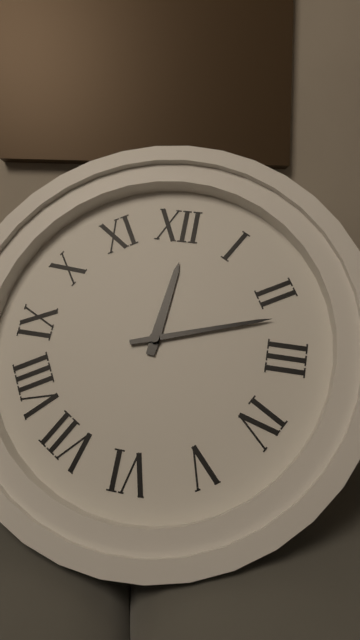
12:12
